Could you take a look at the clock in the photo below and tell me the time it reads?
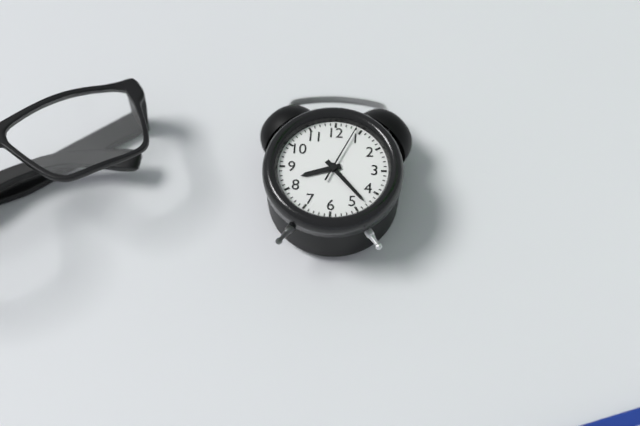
8:23:04
